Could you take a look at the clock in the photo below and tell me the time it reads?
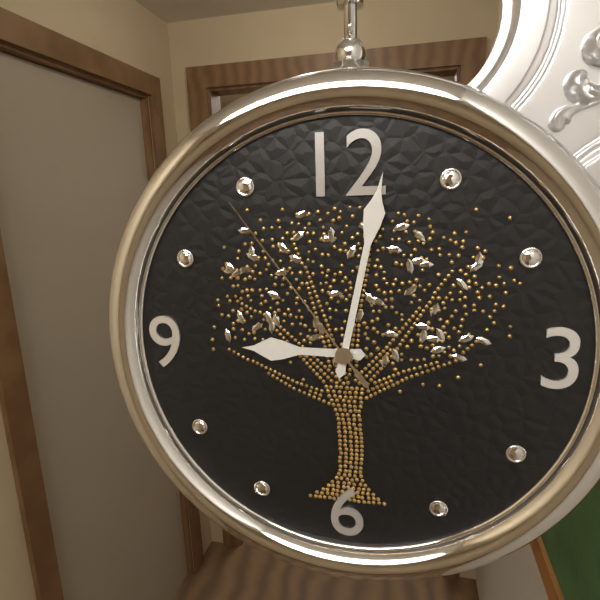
9:02:54
